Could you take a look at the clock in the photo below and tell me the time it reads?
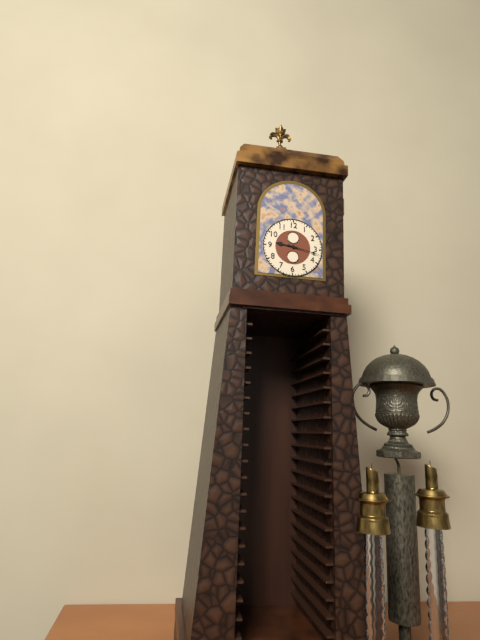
9:17
